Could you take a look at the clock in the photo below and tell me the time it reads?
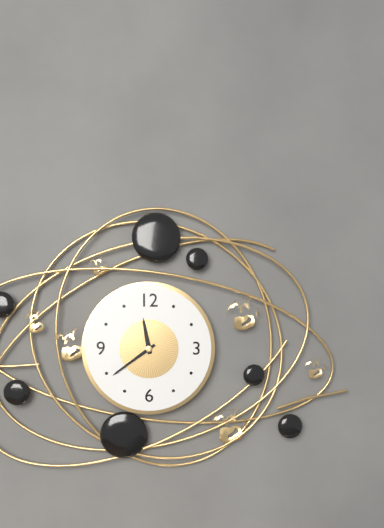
11:39
